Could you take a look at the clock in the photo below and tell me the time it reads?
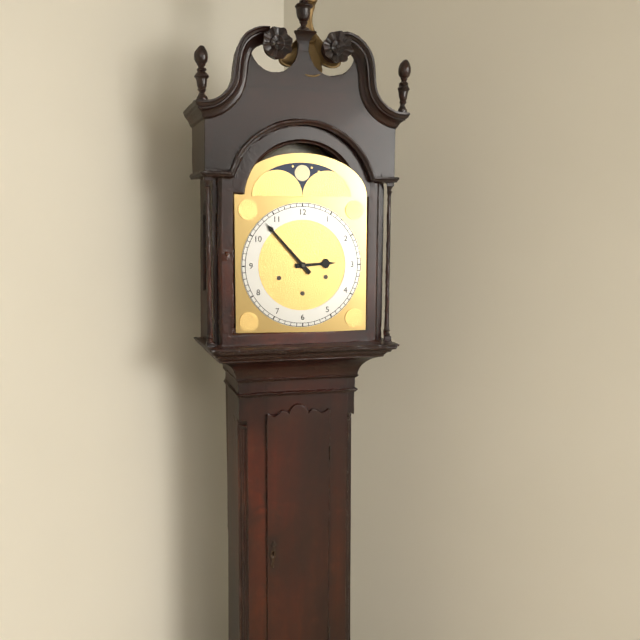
2:53
